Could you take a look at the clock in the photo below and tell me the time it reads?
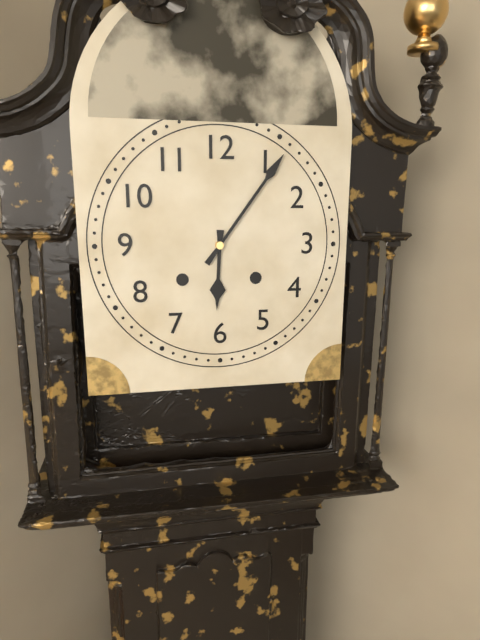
6:06
